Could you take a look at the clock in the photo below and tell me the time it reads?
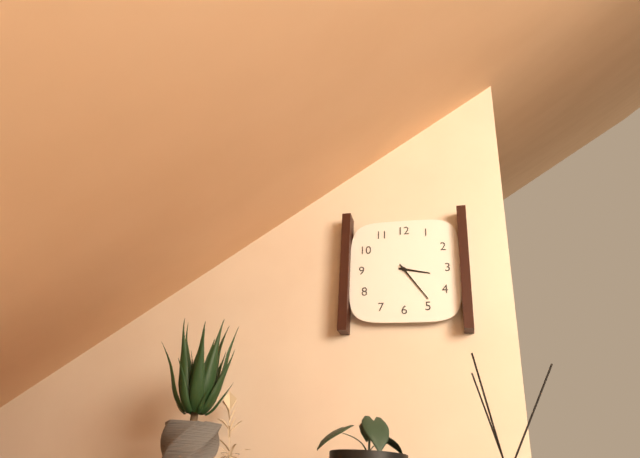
3:24
